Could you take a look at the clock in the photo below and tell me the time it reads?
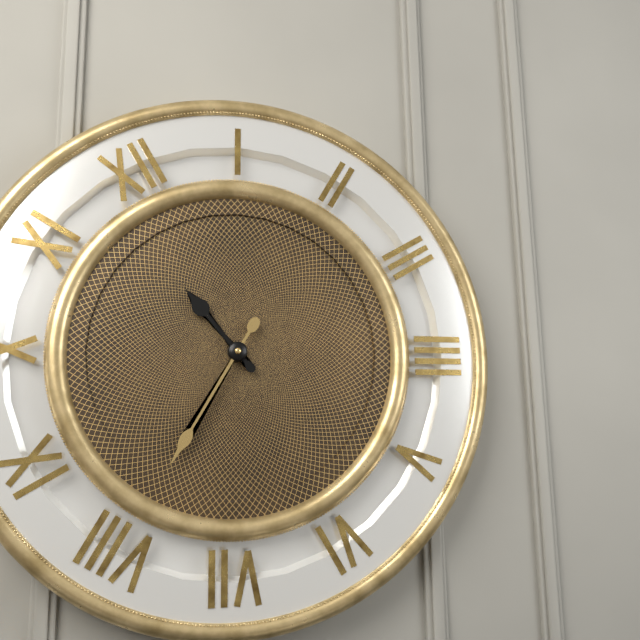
11:40
